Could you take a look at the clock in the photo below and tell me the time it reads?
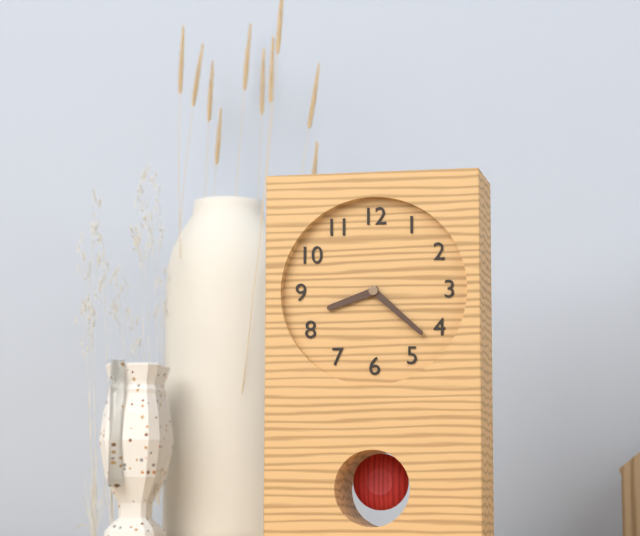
8:22
